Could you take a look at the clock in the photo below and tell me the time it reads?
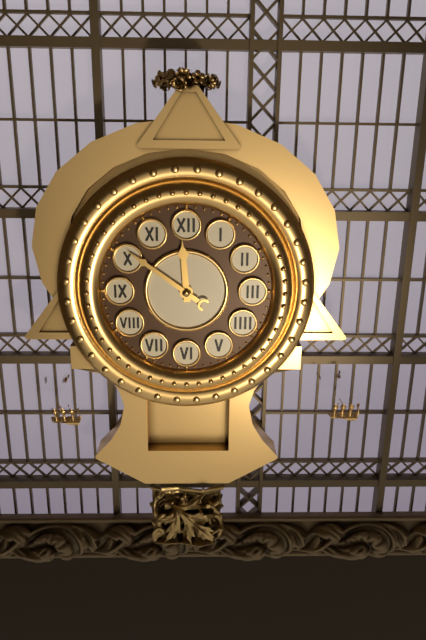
11:51
